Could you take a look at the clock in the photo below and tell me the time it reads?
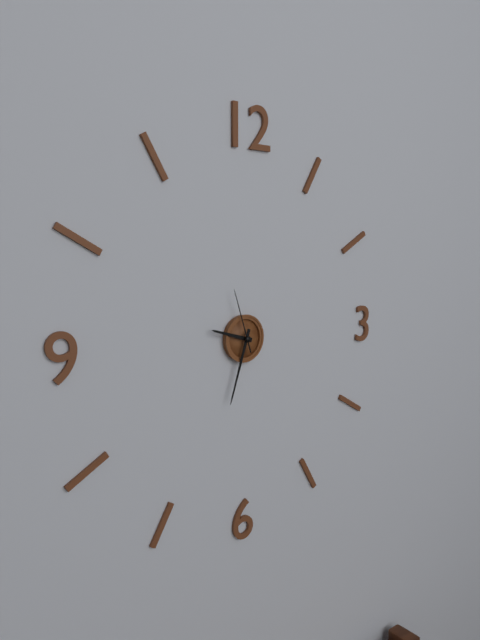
9:33:57
